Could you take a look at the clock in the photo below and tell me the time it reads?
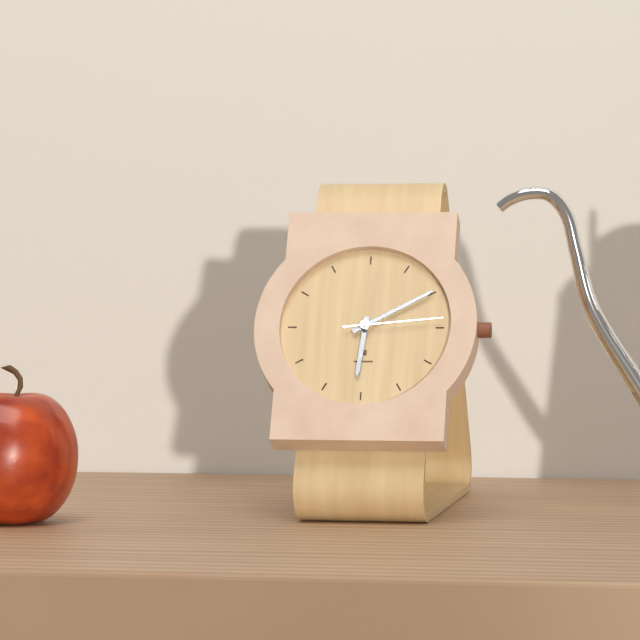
6:10:14
